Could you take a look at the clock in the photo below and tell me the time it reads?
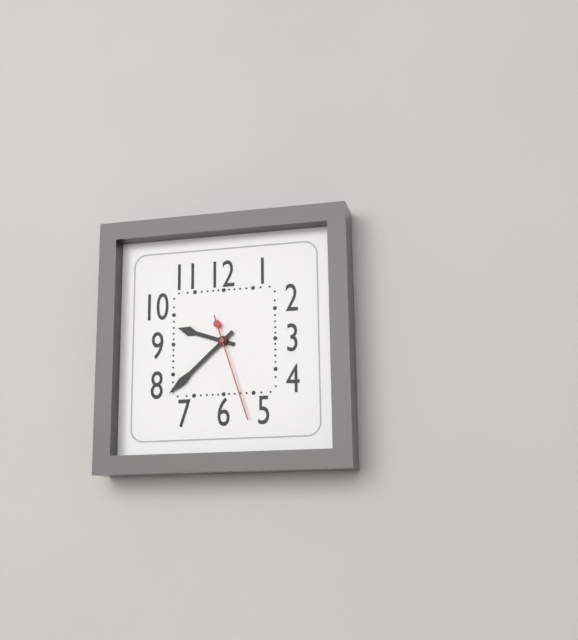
9:38:27
